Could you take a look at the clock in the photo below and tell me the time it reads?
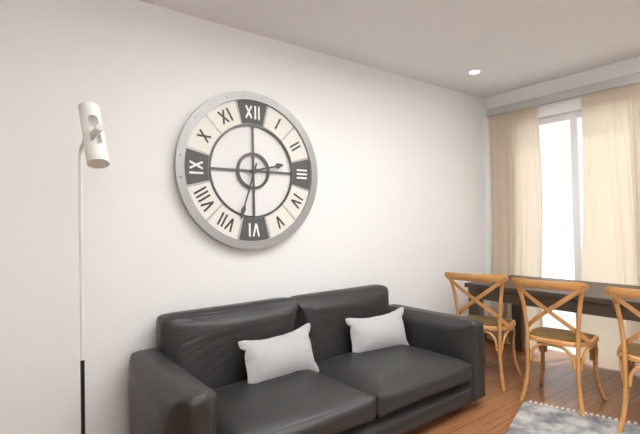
2:33
